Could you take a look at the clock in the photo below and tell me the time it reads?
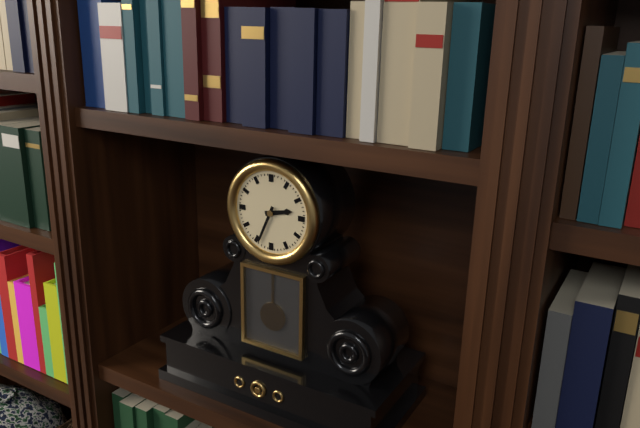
2:34
